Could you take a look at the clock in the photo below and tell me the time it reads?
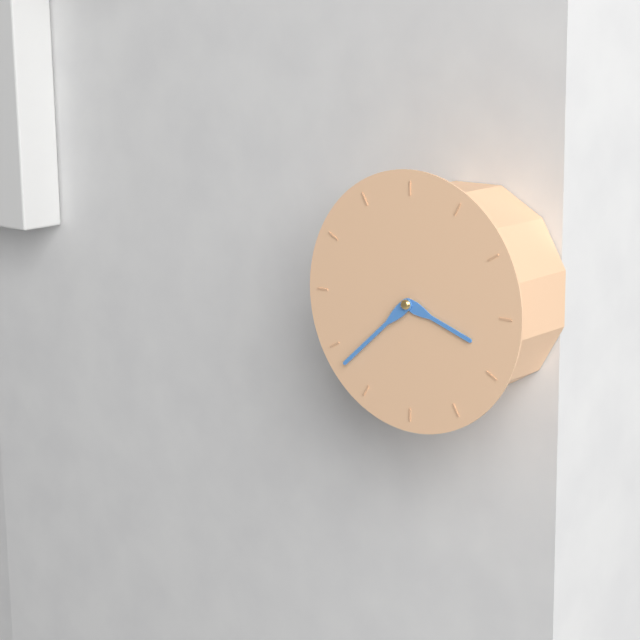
3:38
